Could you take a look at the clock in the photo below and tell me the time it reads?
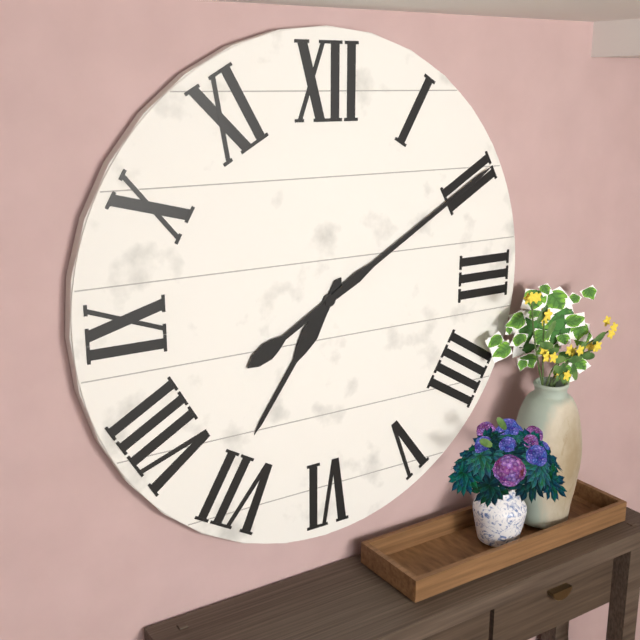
7:10
